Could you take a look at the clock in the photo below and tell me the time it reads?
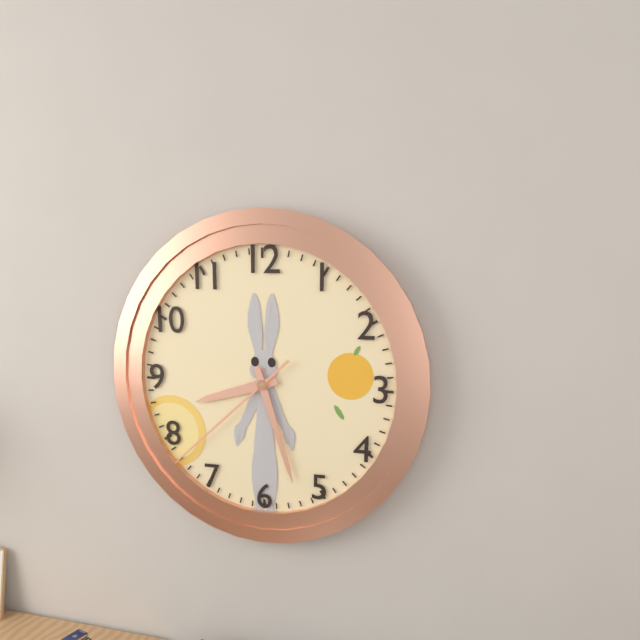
8:27:38
